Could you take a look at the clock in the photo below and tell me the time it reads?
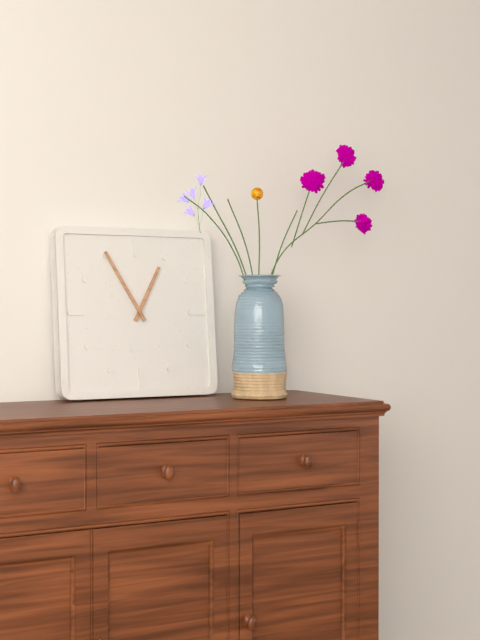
12:55
